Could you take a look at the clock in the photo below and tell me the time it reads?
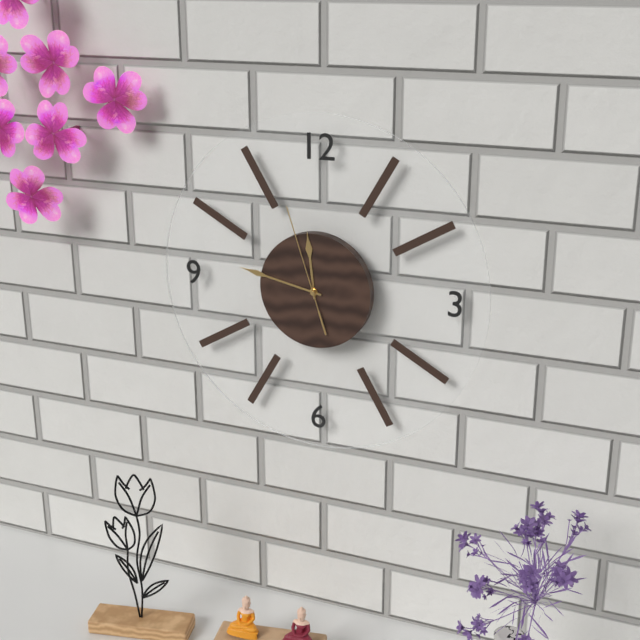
11:47:57
